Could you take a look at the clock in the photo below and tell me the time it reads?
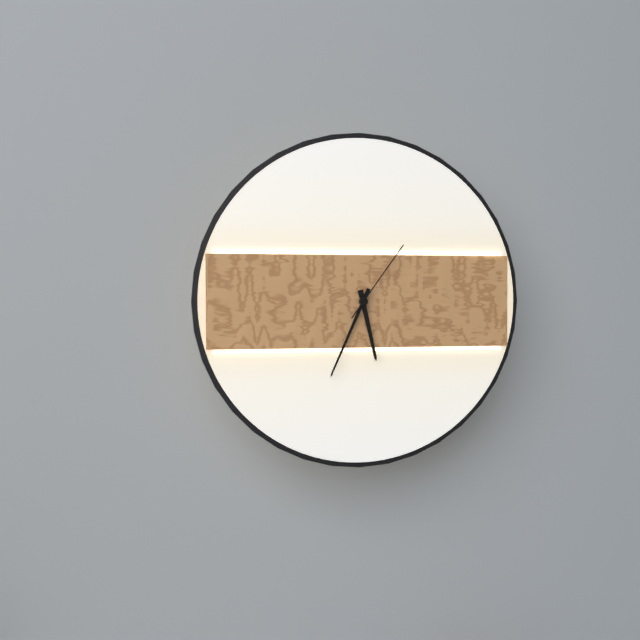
5:34:06
